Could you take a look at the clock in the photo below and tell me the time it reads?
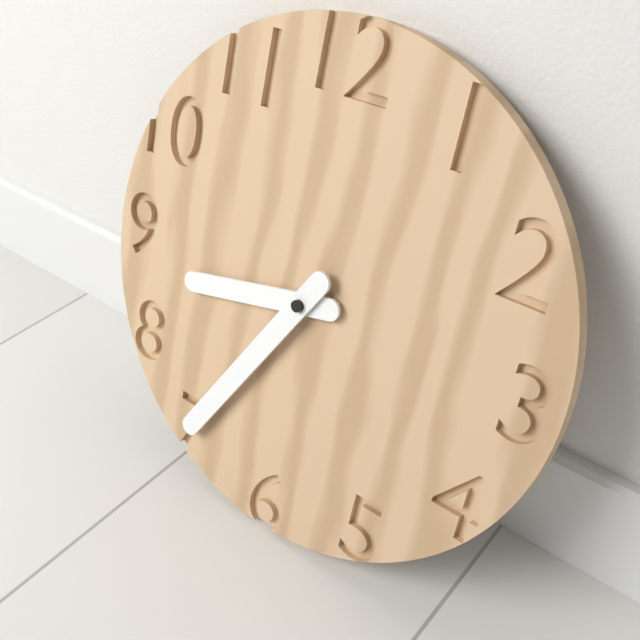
8:35
